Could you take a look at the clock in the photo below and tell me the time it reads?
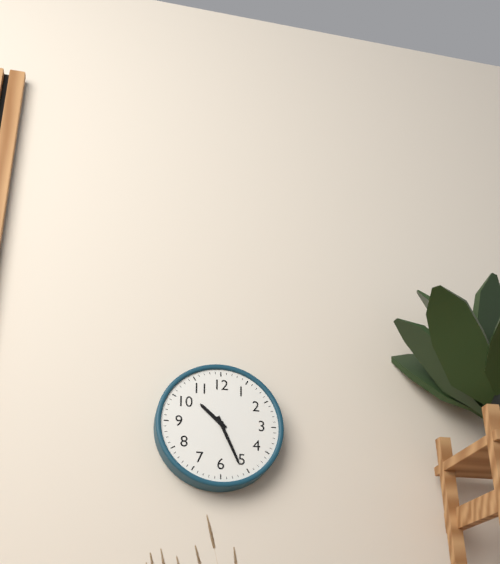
10:26
